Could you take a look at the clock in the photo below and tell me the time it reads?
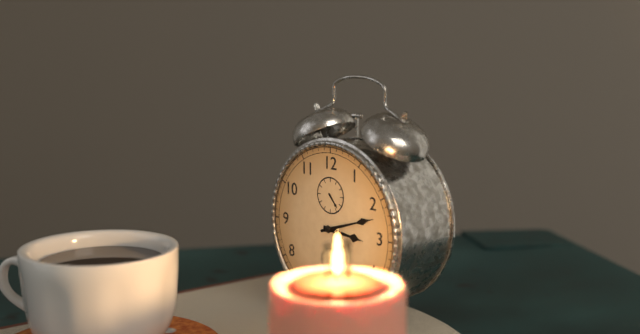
3:12
